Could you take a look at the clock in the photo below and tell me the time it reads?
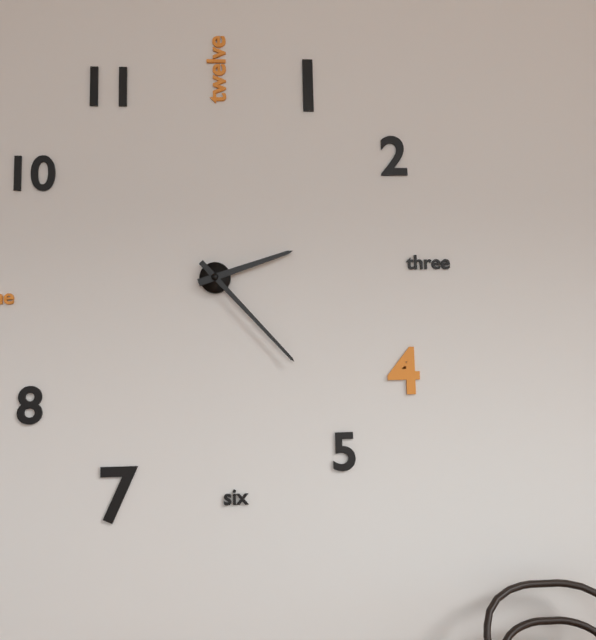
2:23
